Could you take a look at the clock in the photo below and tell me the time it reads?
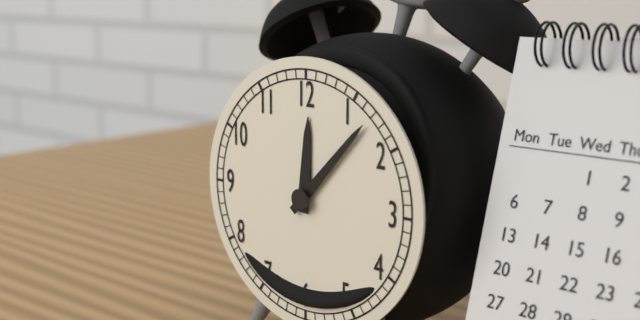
12:07
